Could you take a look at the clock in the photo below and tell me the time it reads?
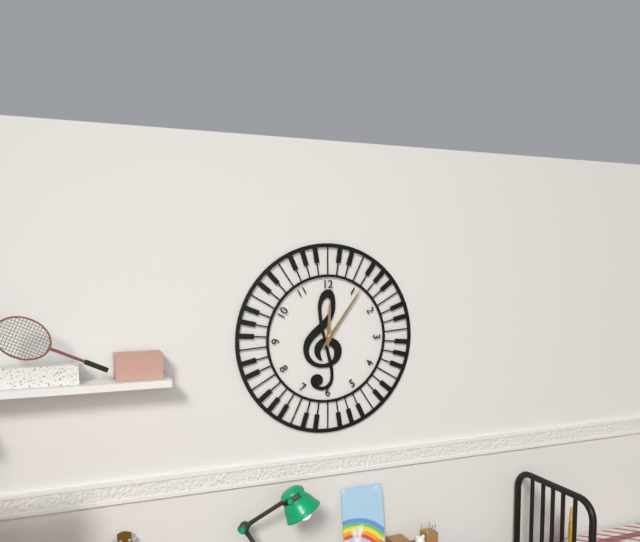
12:06
